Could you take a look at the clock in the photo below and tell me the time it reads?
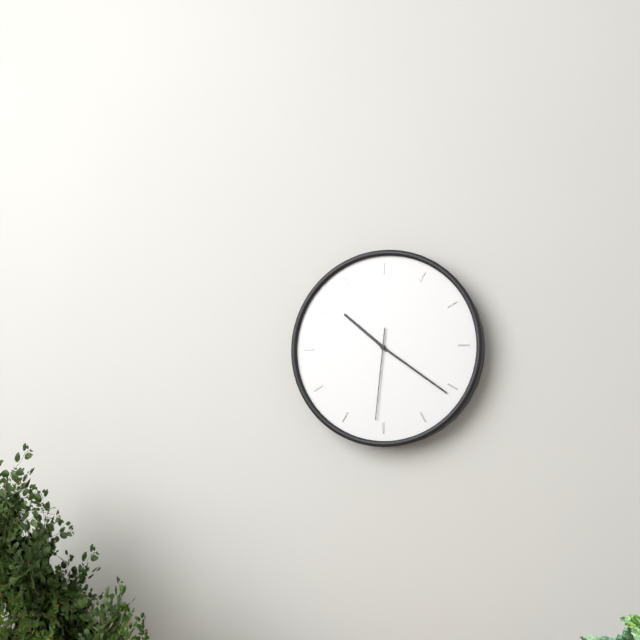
10:21:31
